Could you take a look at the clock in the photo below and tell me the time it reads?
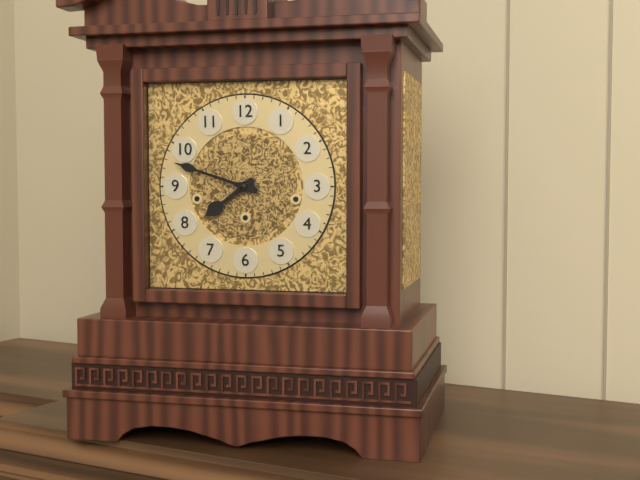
7:48
